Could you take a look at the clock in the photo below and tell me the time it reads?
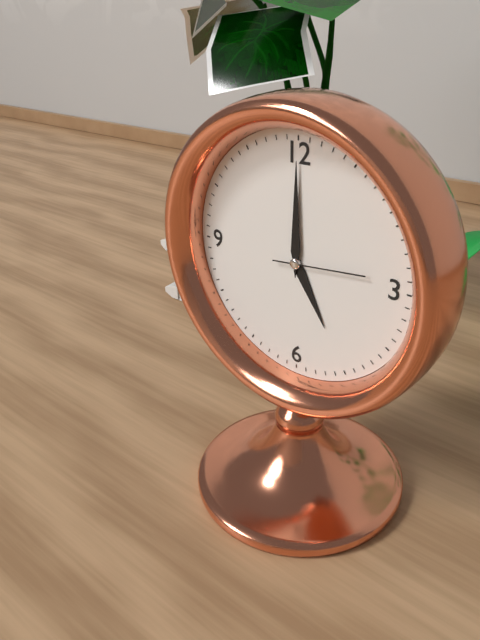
5:00:14
